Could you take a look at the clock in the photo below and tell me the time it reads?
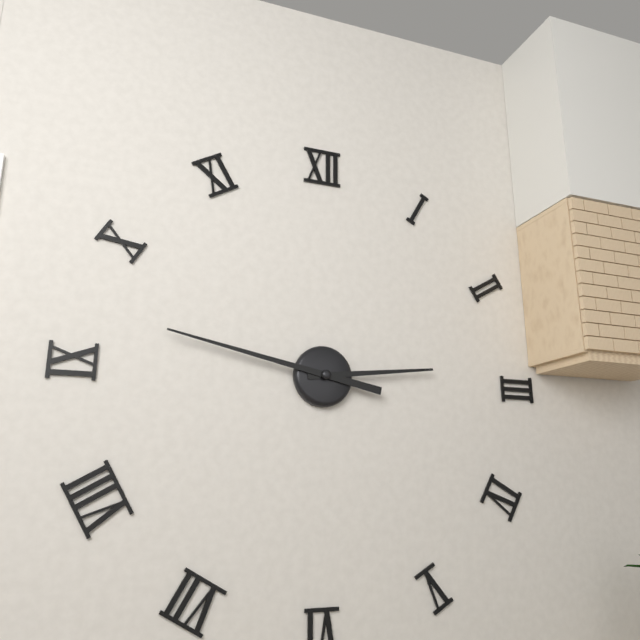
2:47
